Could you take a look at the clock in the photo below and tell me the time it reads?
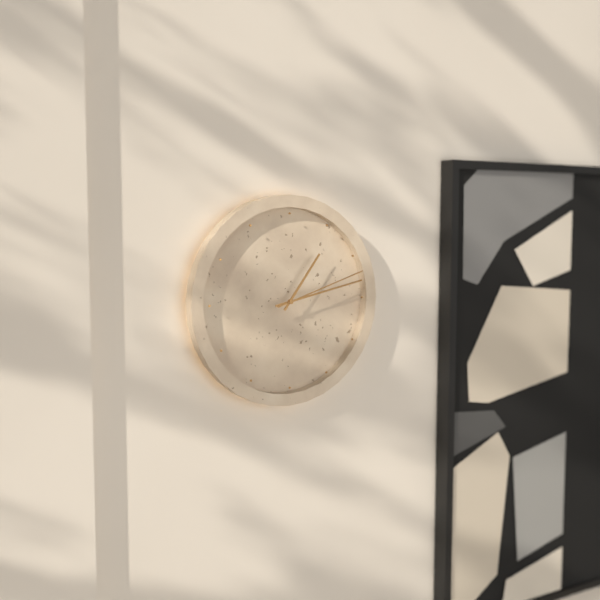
1:13:12
